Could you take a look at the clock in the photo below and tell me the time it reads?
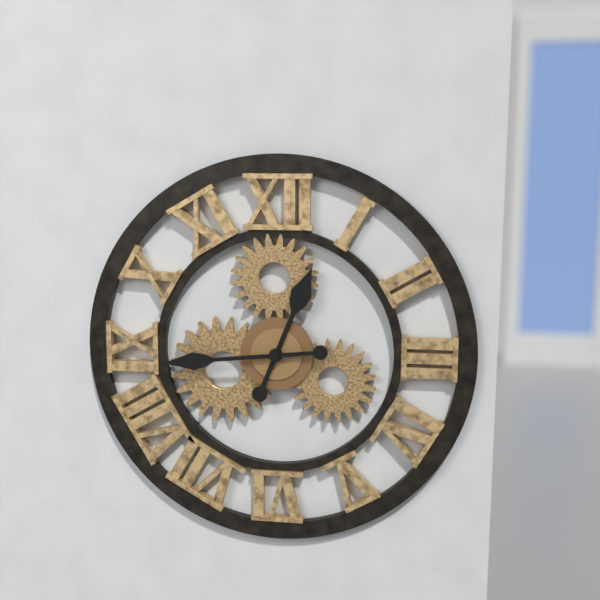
12:44
